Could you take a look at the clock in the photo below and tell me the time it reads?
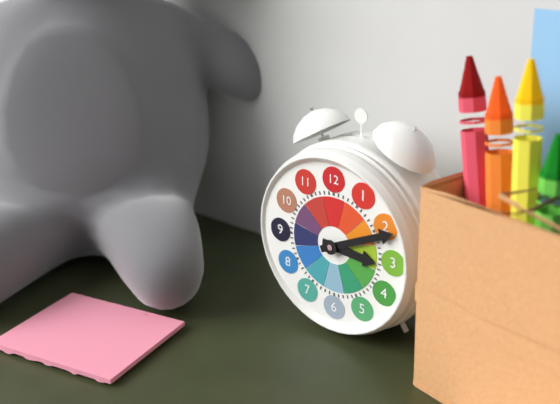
3:11
